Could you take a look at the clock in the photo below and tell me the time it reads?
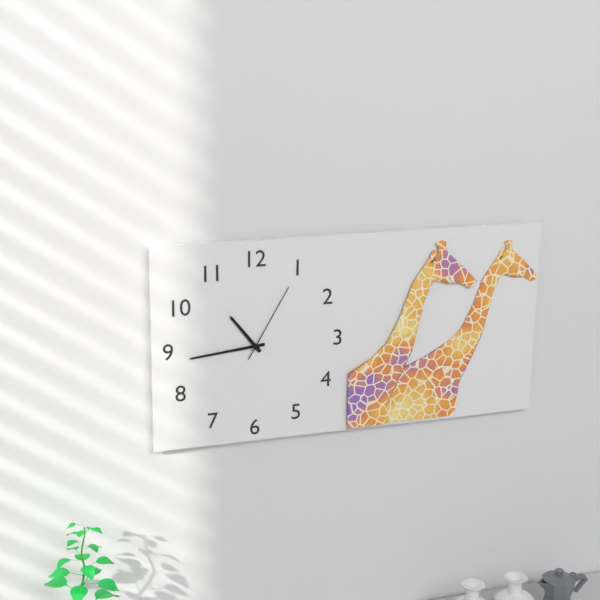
10:44:05
